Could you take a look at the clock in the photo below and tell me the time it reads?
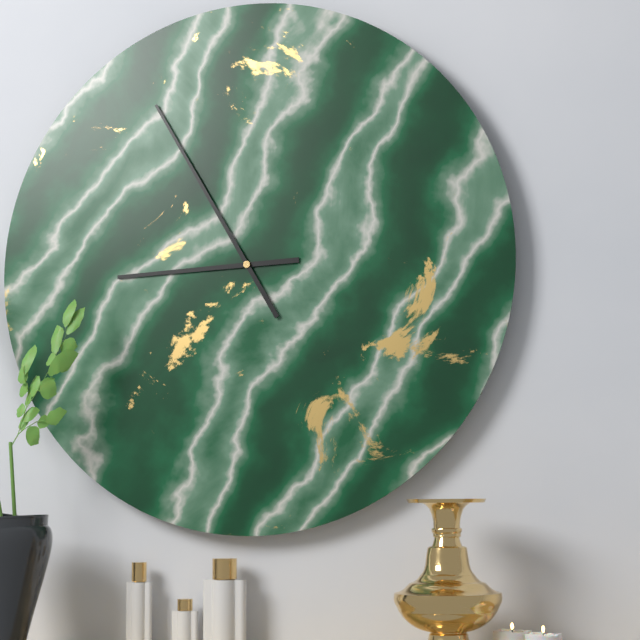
8:55
